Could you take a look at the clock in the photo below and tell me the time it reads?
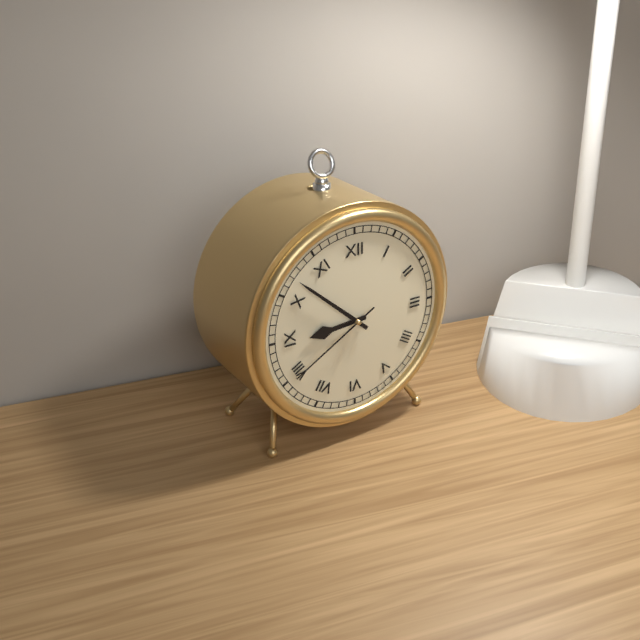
8:52:40
